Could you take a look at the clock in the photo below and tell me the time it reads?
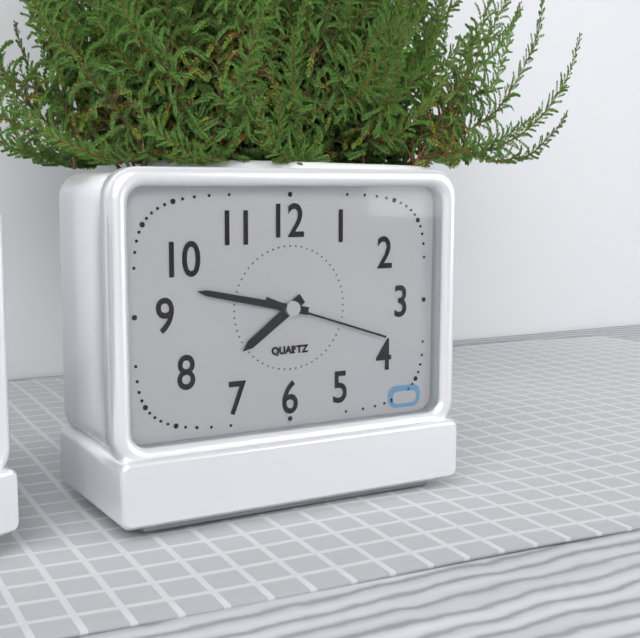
7:47:18
